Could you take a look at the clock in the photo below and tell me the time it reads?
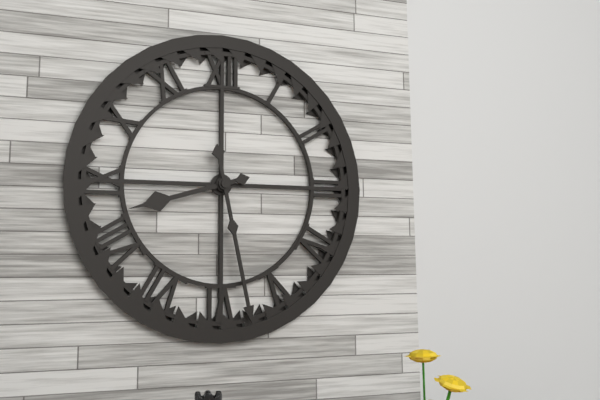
8:28
